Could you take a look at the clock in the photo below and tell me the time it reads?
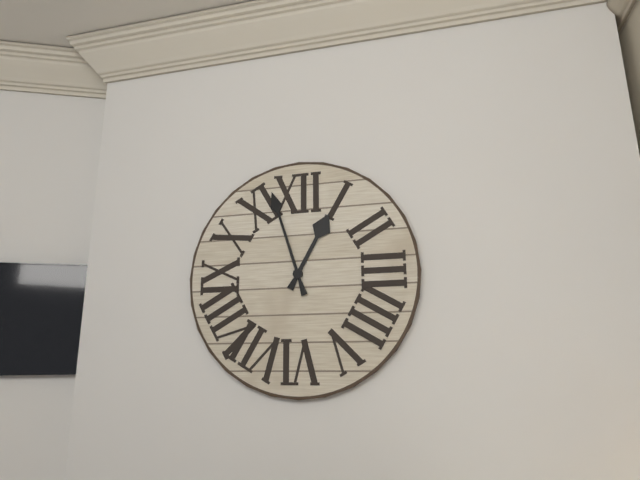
12:57
